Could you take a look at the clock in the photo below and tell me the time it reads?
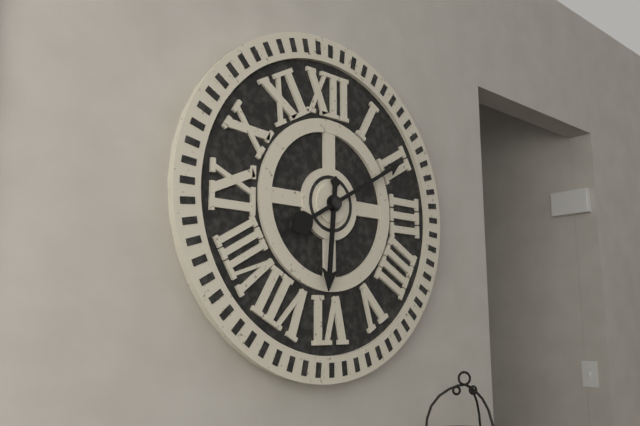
6:10
